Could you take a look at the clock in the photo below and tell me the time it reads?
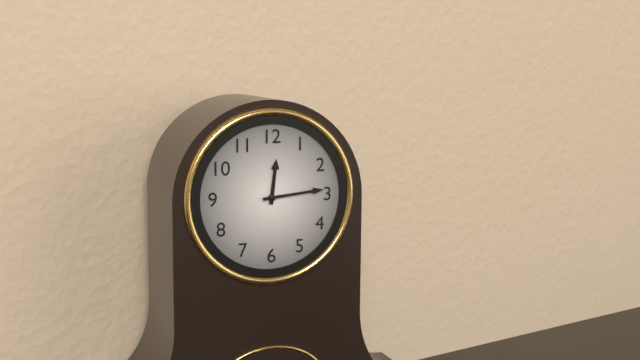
12:14
